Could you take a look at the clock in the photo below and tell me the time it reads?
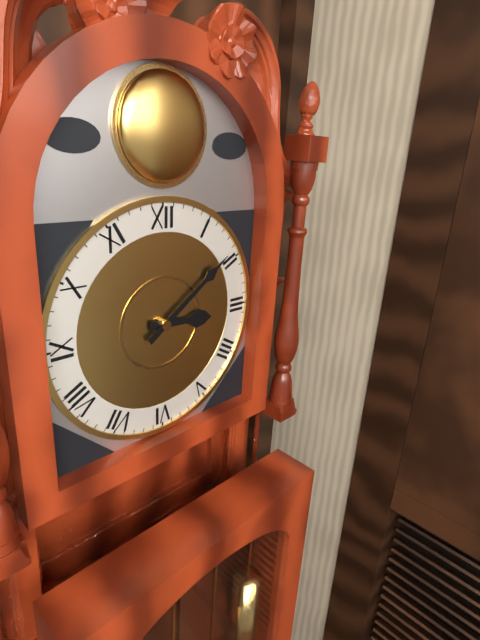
3:09
